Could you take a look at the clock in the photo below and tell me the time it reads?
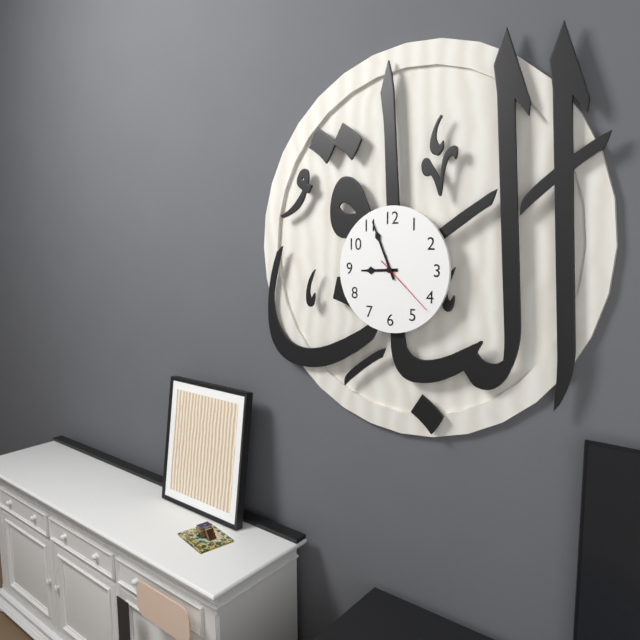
8:56:22
